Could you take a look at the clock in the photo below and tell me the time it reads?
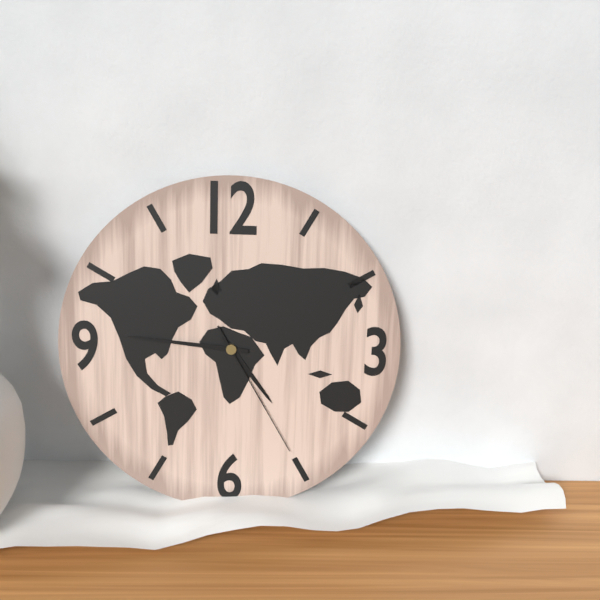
4:46:25
